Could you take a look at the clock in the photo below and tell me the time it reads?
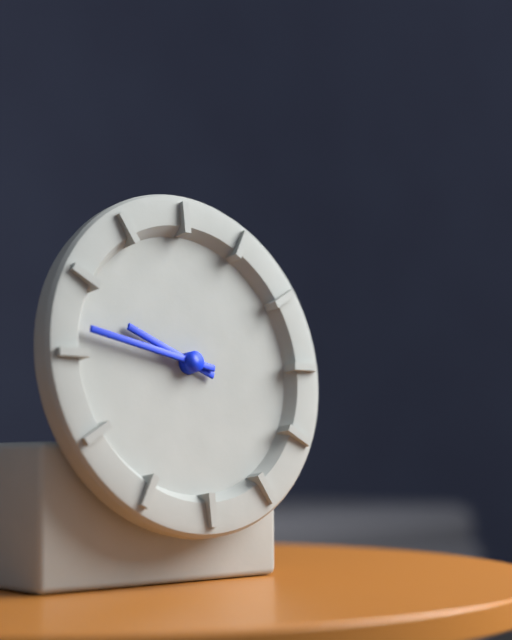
9:47
